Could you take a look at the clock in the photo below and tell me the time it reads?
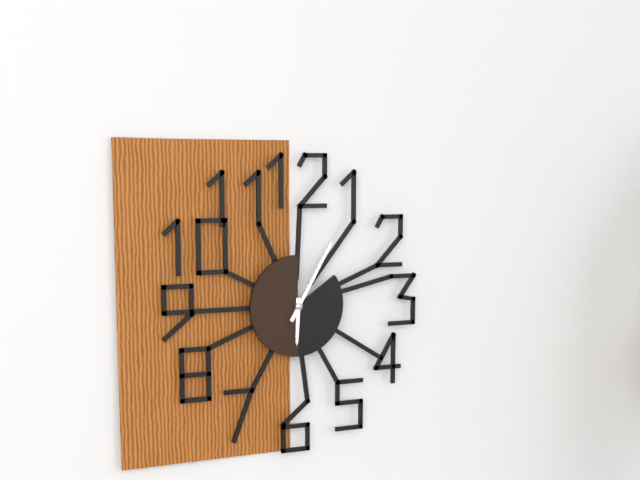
6:05
